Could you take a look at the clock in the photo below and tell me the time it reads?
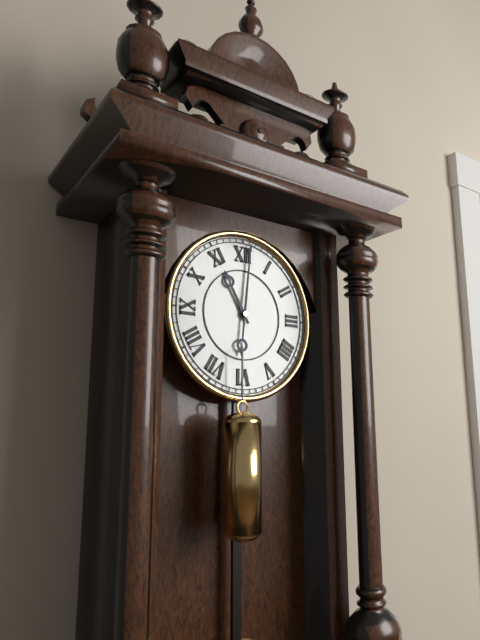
11:01
